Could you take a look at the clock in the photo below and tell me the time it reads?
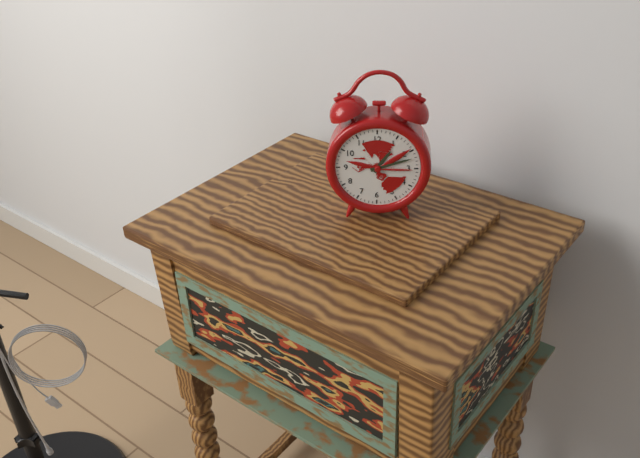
1:12
